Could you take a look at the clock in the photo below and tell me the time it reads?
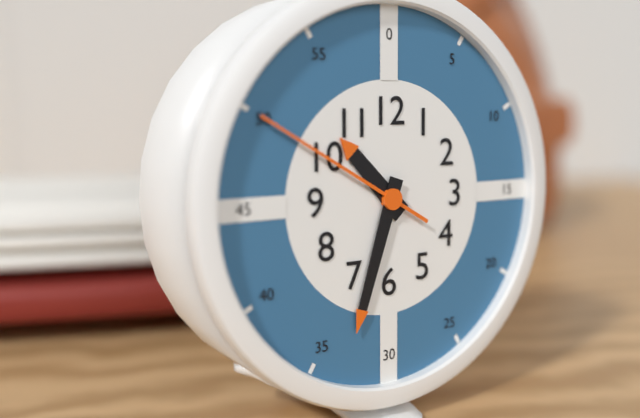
10:33:50
